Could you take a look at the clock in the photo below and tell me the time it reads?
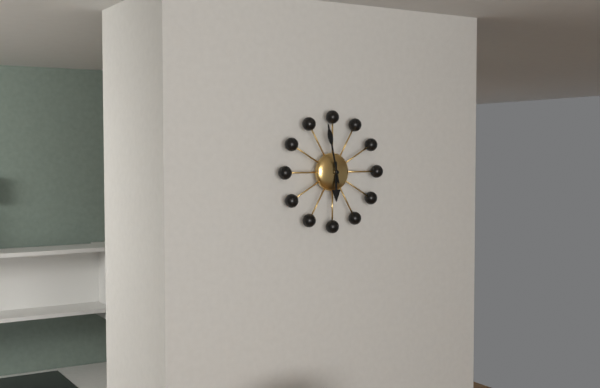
5:58
